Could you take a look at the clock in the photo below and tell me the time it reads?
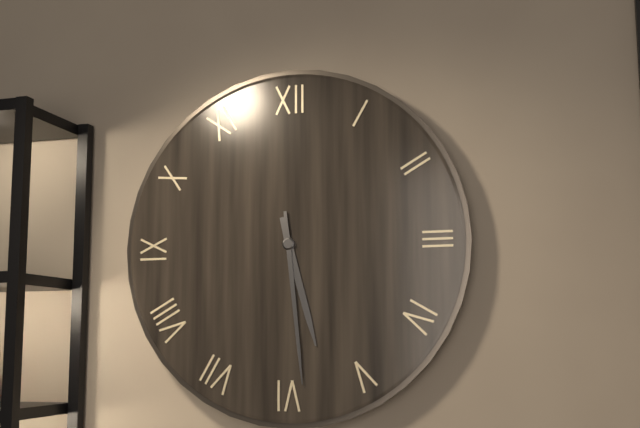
5:29
